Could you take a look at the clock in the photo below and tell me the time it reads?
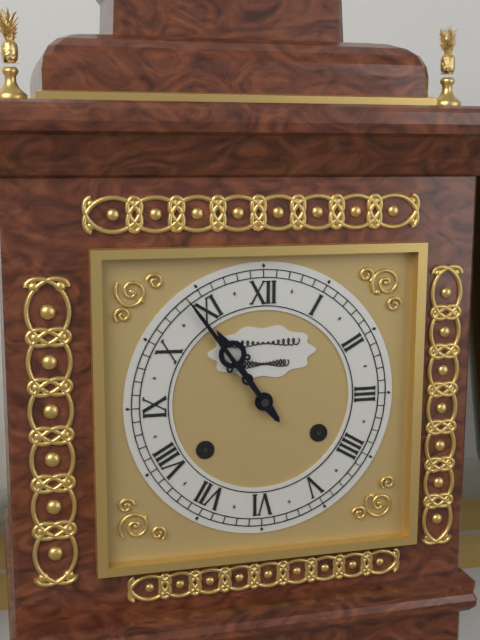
10:54
